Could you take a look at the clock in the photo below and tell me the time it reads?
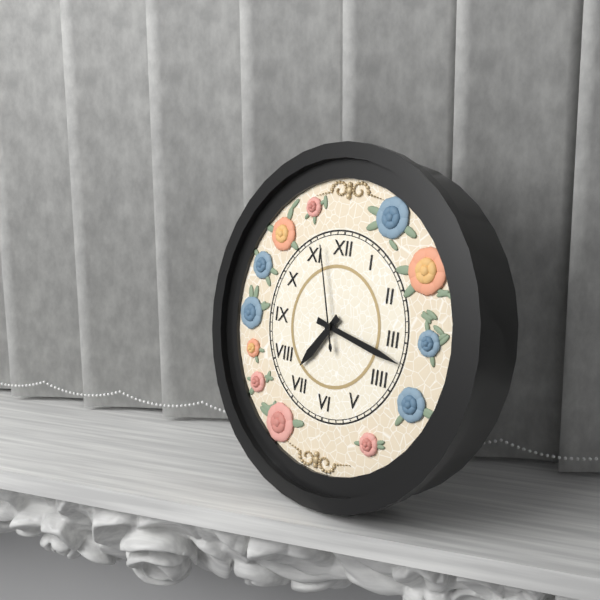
7:17:57
